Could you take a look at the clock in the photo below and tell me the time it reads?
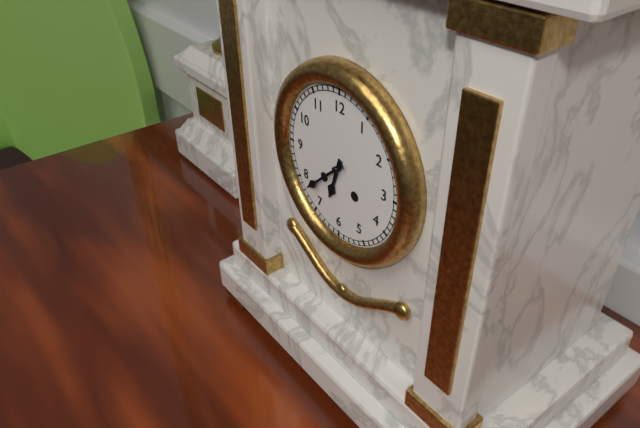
6:38
